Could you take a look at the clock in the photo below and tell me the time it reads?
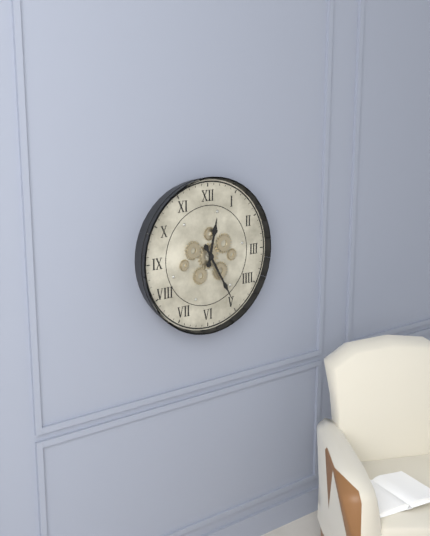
12:25
